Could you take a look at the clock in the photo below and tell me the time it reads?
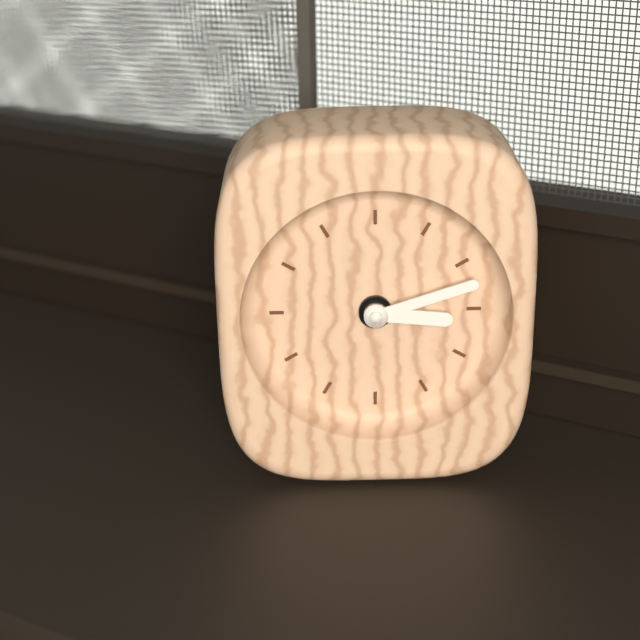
3:12
